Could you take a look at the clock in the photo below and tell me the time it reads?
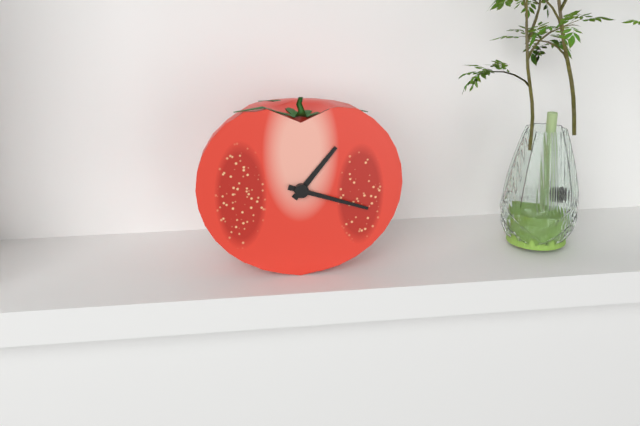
1:18
